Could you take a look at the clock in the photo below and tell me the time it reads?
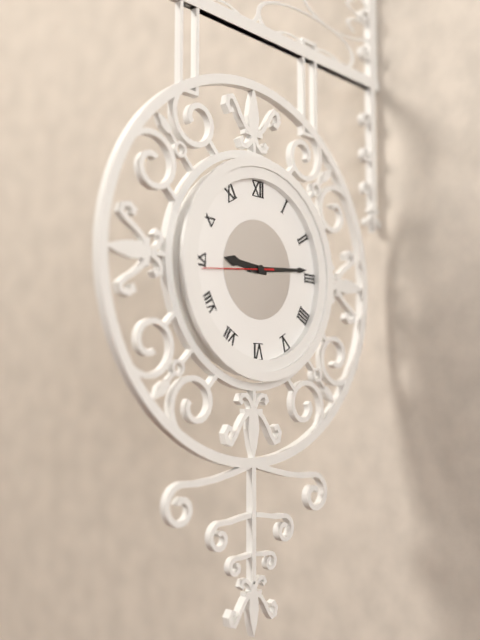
9:14:44
